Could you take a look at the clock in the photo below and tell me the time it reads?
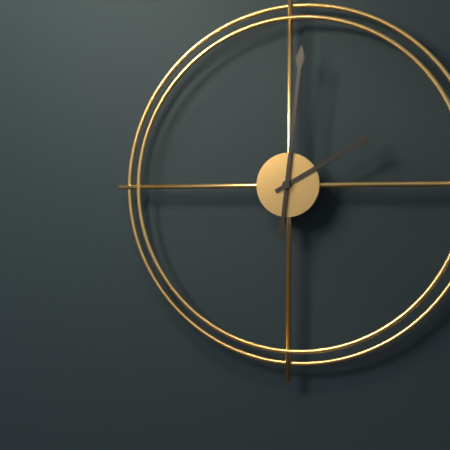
2:01
